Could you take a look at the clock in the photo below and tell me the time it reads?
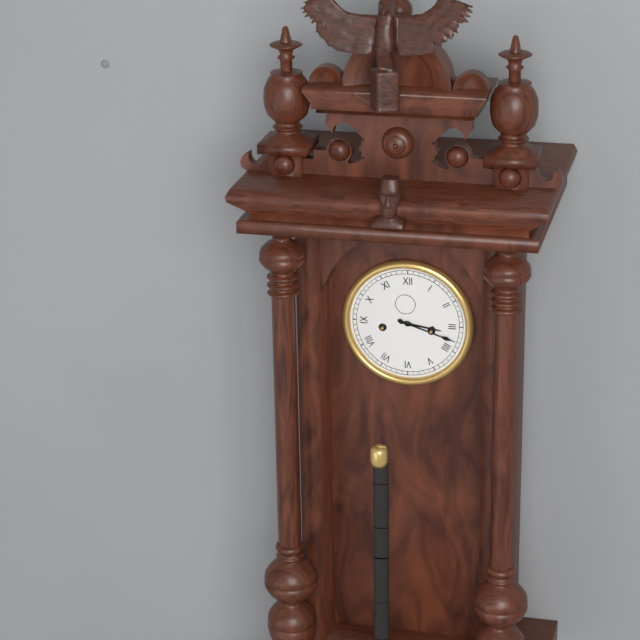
3:18
